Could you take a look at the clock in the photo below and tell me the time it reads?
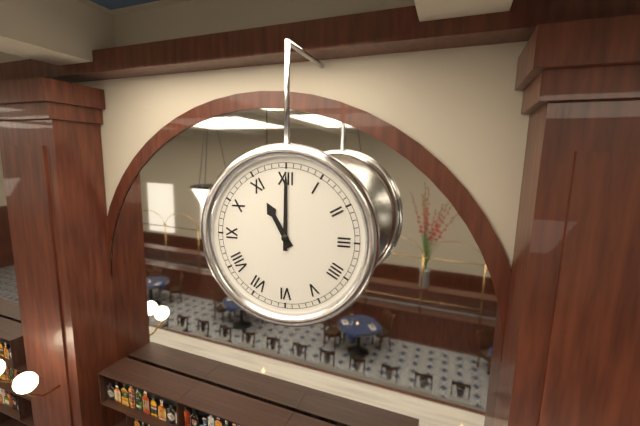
11:00
